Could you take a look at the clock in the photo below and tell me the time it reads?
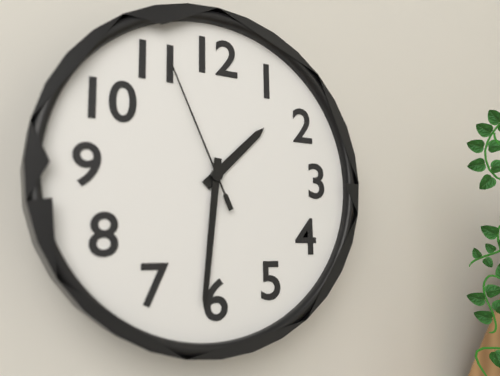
1:31:56
